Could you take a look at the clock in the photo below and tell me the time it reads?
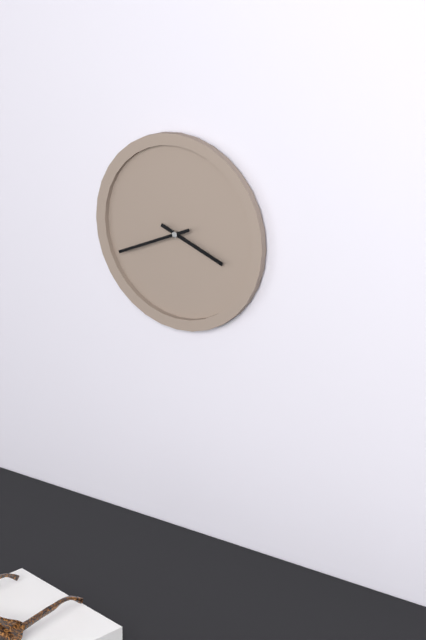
3:41
